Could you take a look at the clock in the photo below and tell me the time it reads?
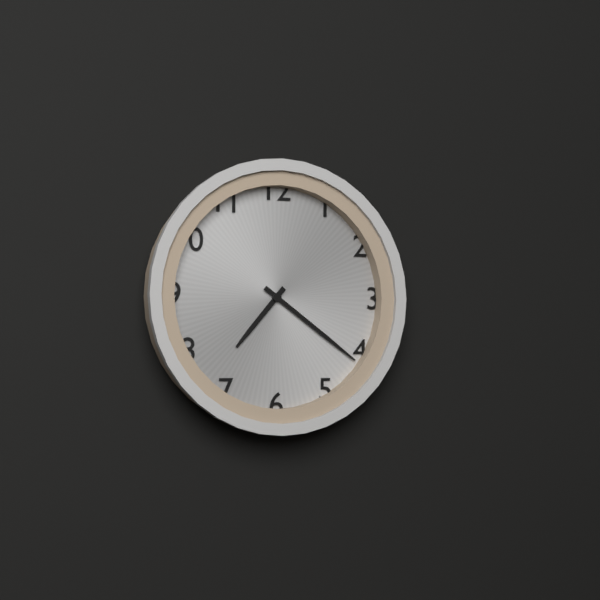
7:21
